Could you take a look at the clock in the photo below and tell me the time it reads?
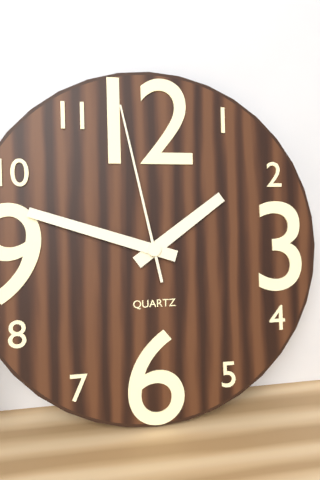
1:48:58
